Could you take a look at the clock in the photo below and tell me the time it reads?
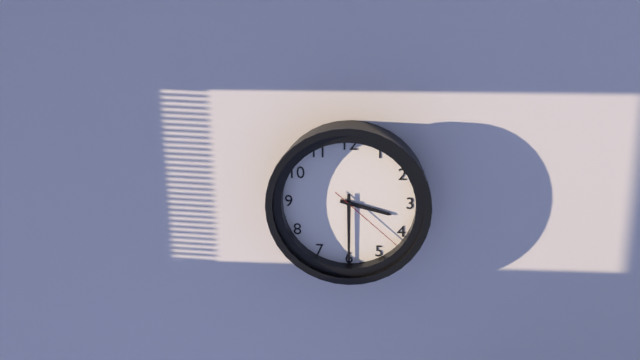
3:30:22
